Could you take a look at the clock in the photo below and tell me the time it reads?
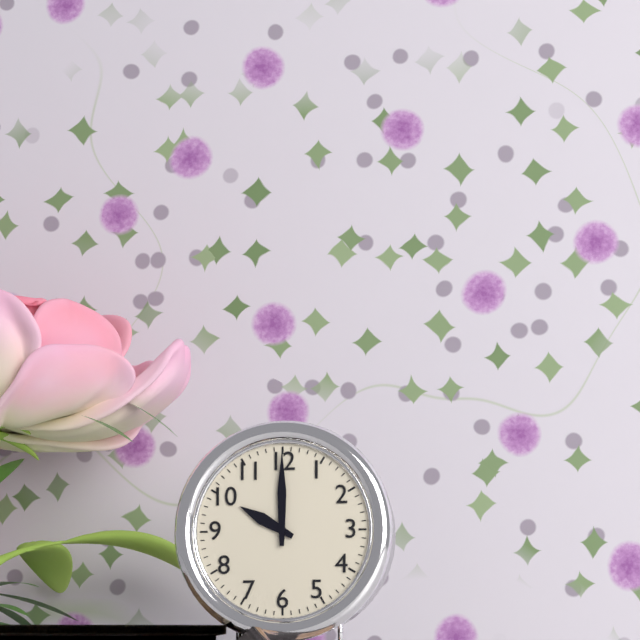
10:00
